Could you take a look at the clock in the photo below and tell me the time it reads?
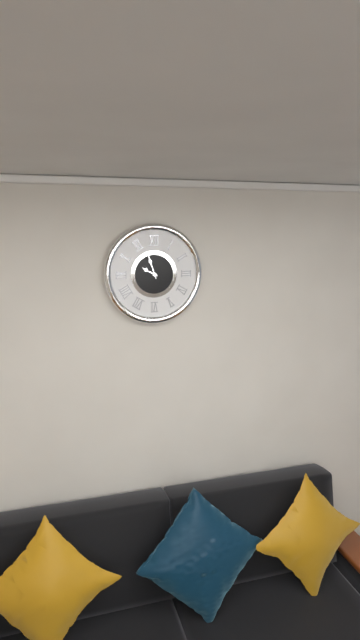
9:57
